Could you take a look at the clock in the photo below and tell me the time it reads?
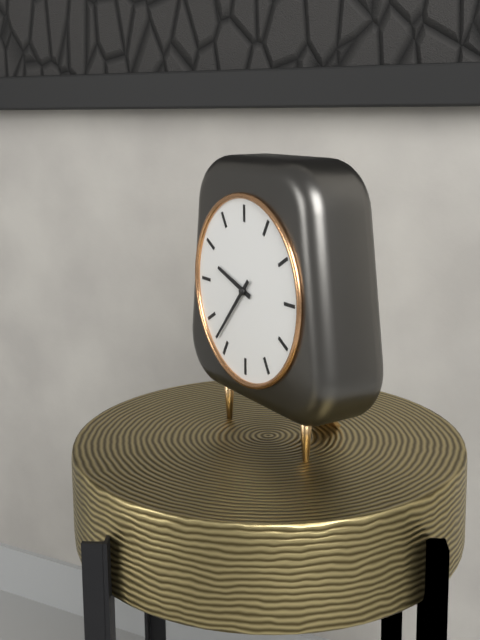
9:37
